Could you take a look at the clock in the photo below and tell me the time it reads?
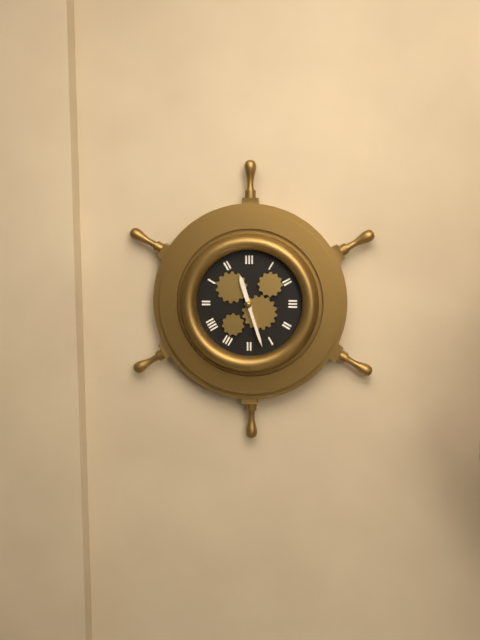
11:27
